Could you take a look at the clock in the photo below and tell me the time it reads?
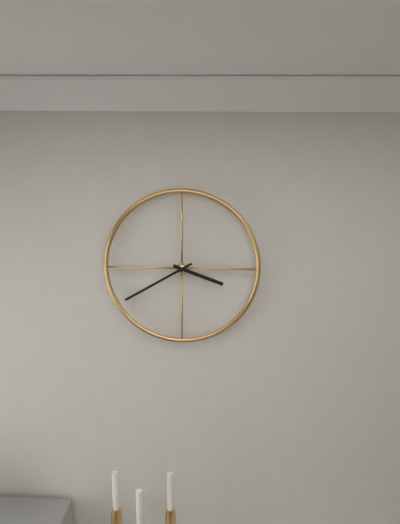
3:40
